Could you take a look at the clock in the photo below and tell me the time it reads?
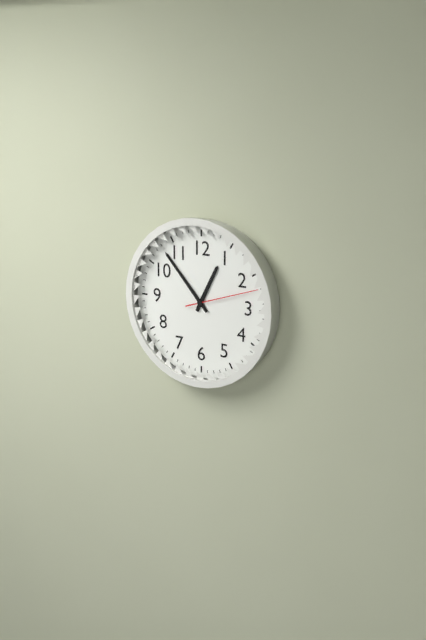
12:53:12
